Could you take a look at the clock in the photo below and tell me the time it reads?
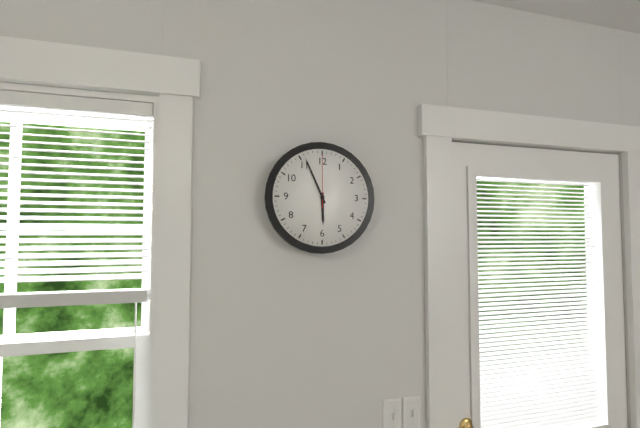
5:56:00
